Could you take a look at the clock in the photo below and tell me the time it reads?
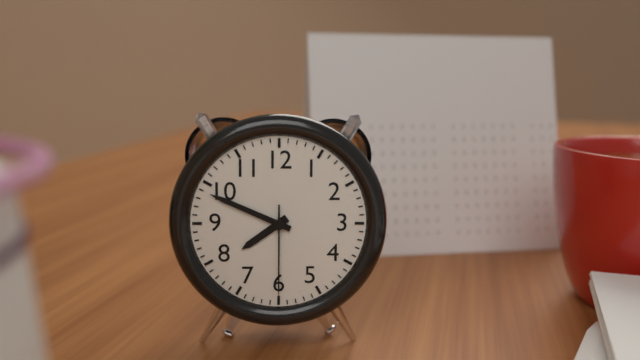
7:49:30
